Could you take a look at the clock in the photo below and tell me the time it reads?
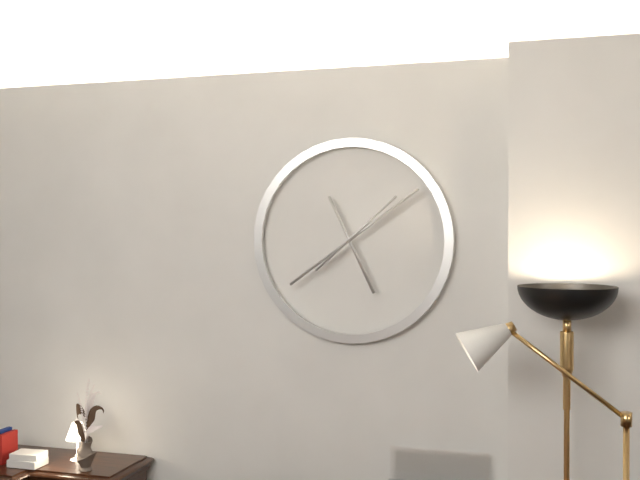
5:09:08
